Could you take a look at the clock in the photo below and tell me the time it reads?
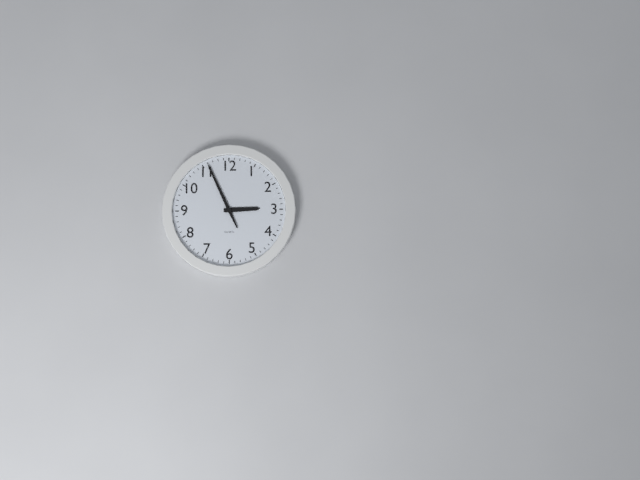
2:56
